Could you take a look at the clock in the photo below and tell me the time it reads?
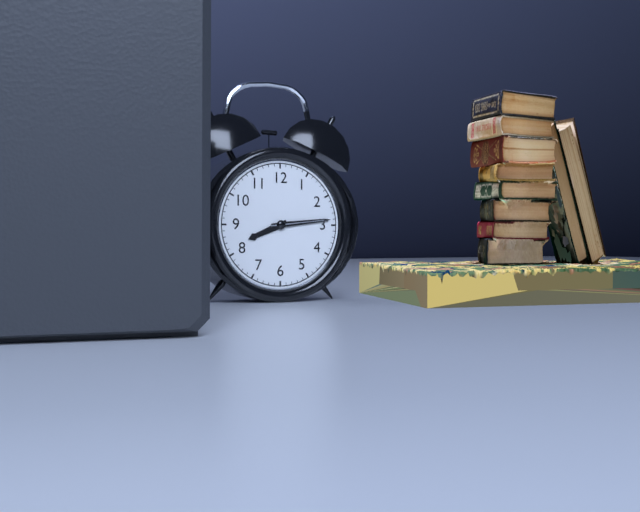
8:14:14
